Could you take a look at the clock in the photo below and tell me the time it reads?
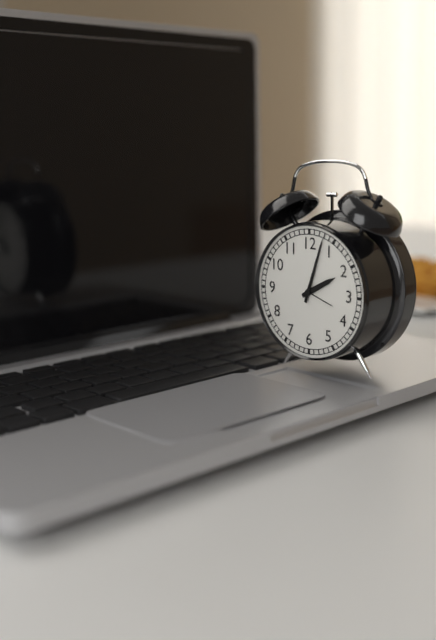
2:03
